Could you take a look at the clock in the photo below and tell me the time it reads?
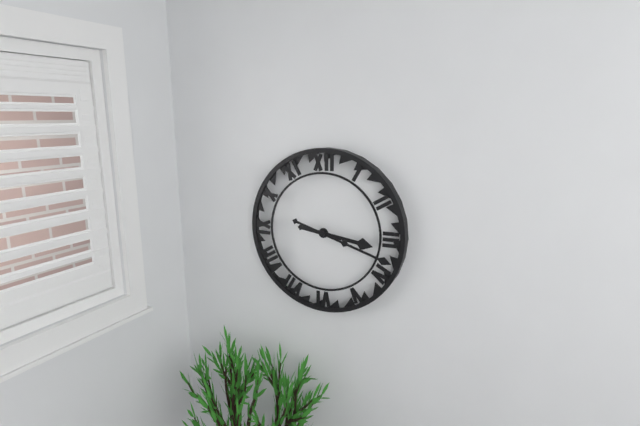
3:18
